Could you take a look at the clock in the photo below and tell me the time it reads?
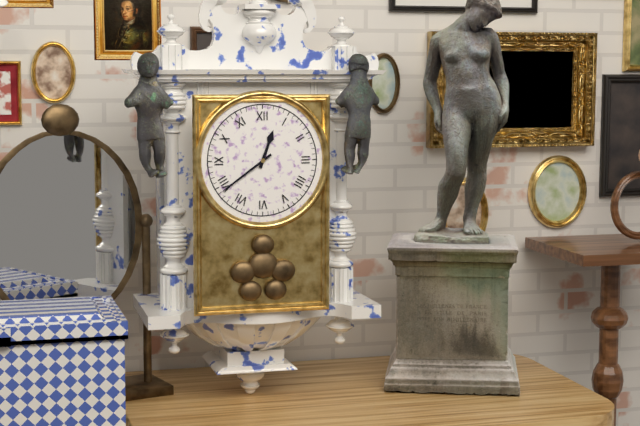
12:39
